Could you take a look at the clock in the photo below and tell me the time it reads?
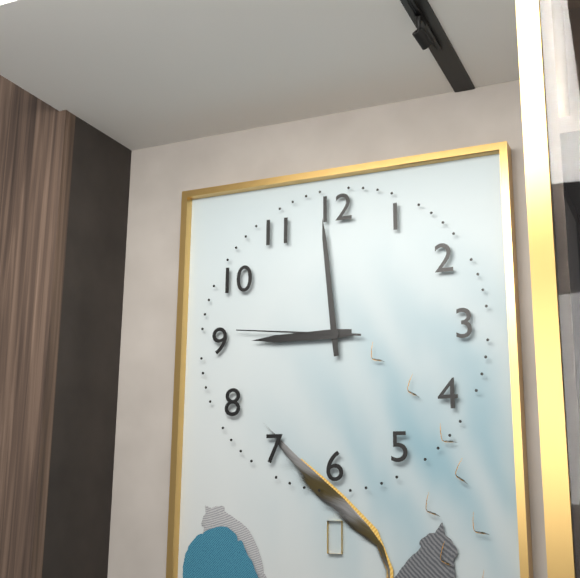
8:59:46
